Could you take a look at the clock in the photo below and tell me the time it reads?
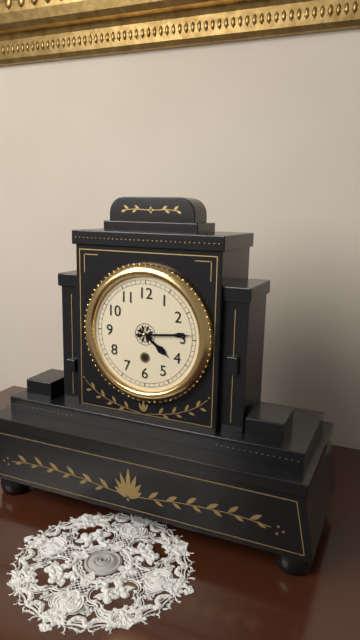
4:14
